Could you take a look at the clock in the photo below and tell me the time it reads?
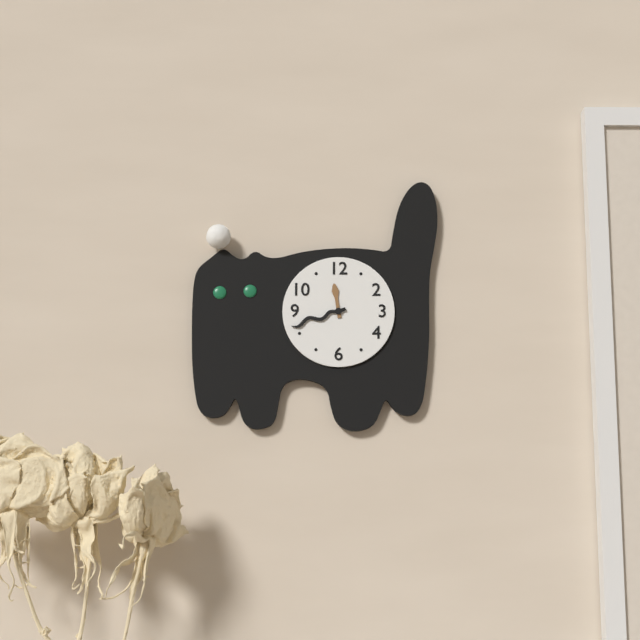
11:42
